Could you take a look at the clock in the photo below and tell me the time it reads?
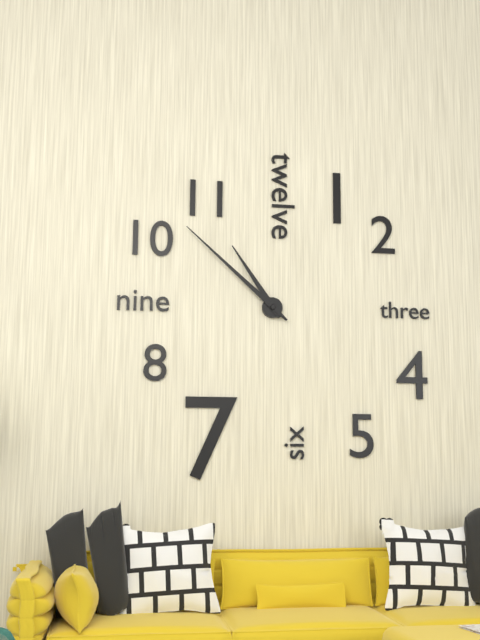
10:52
